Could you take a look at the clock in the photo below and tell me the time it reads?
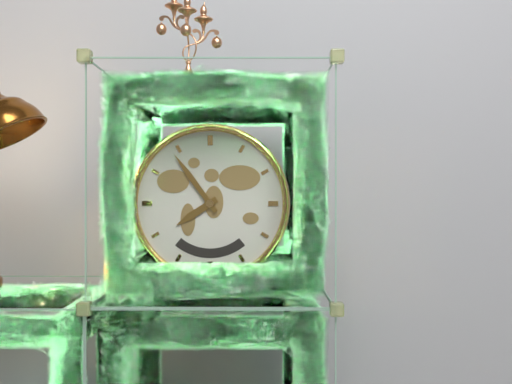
7:54
